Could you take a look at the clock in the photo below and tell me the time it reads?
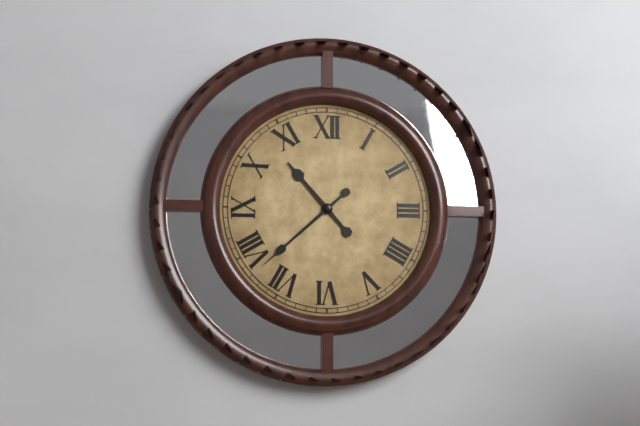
10:38
